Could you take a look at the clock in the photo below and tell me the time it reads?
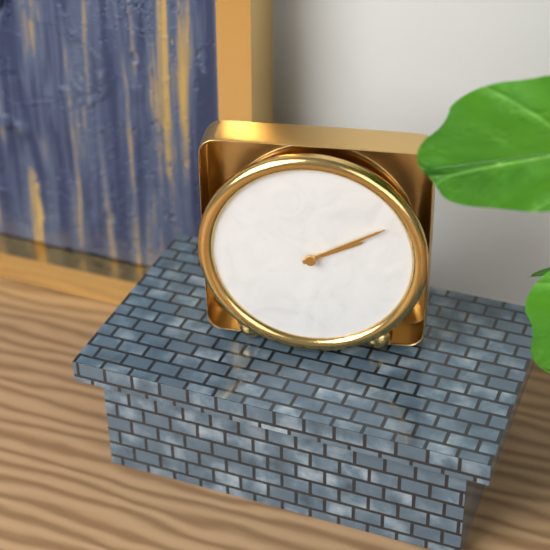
2:10
